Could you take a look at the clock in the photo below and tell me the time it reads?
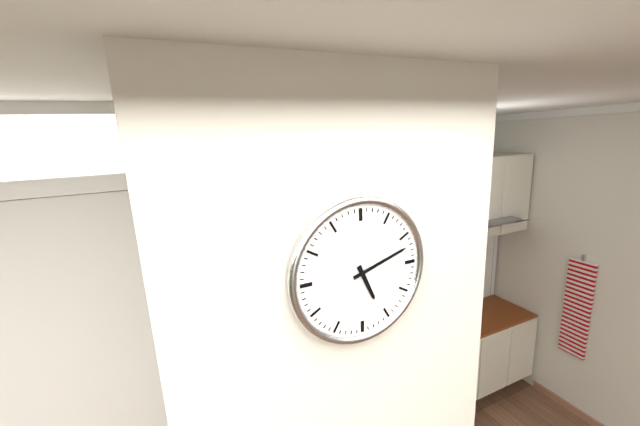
5:12
